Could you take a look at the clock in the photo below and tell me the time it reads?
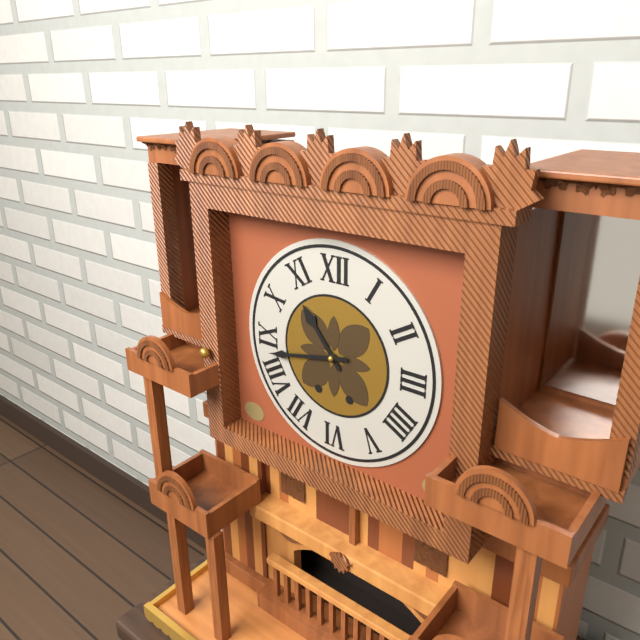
10:43
